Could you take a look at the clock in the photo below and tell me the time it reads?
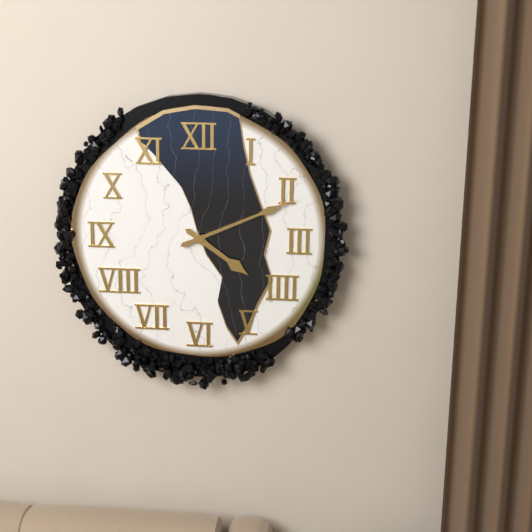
4:11
